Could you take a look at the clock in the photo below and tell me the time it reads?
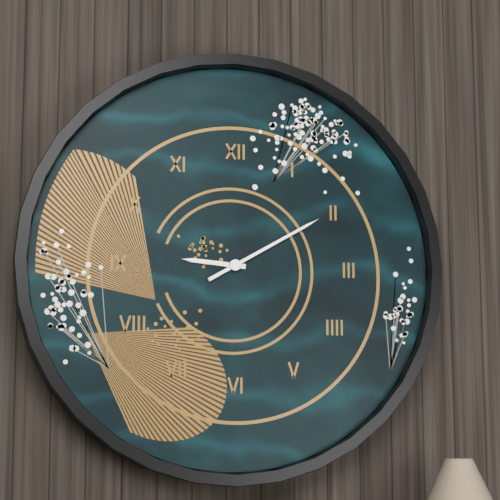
9:10
